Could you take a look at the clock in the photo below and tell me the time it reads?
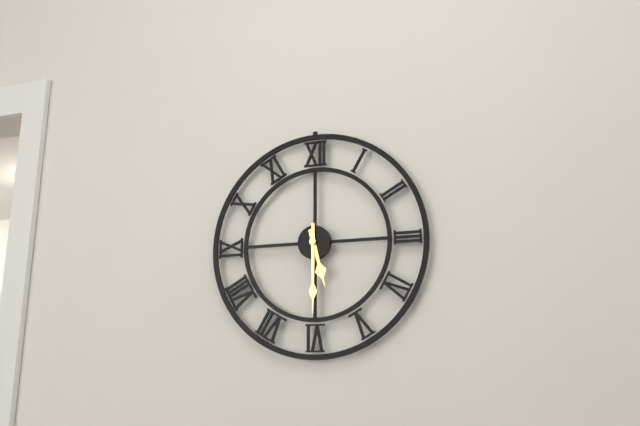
5:30
